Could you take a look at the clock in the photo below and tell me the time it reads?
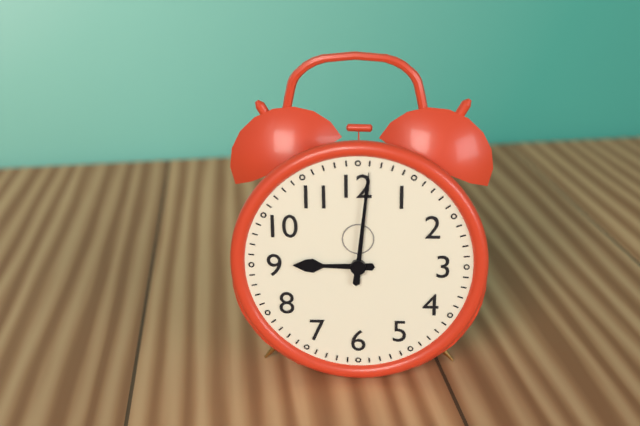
9:01
